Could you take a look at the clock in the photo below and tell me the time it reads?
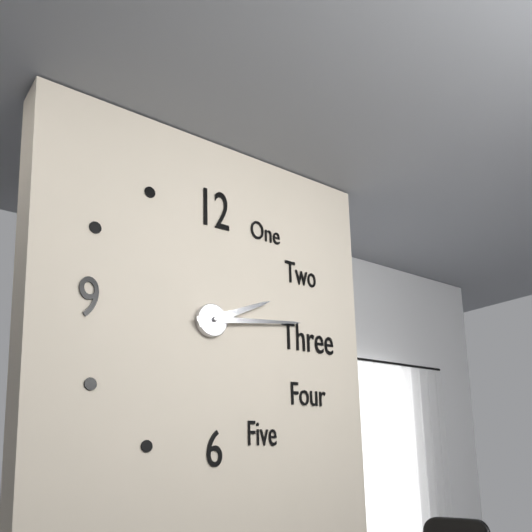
2:14
